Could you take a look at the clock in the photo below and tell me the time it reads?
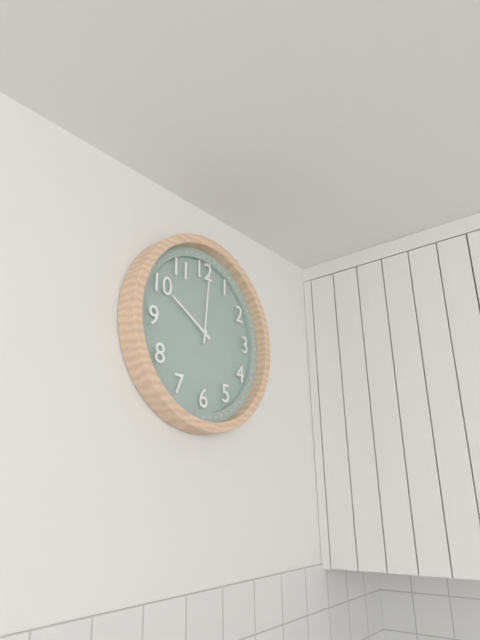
10:01
